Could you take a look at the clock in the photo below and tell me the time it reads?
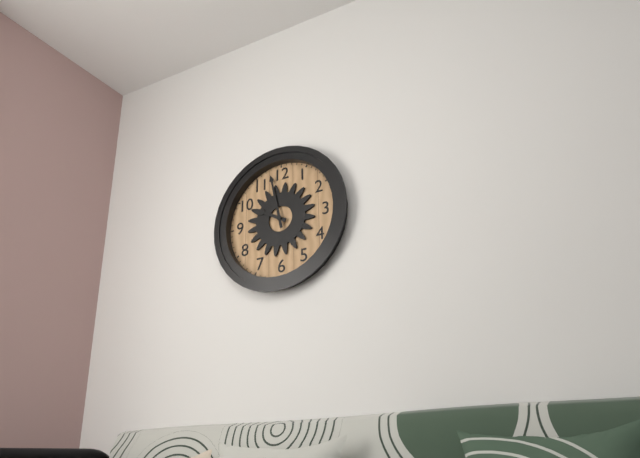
9:58
